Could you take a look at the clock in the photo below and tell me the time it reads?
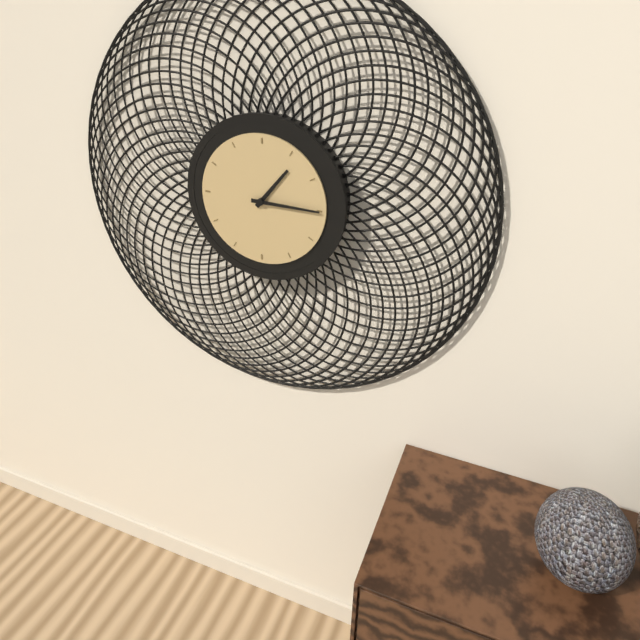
1:15
